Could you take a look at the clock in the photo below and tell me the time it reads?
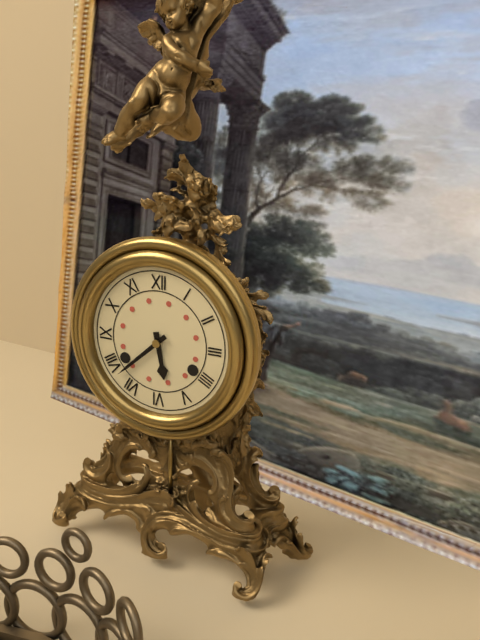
5:38
